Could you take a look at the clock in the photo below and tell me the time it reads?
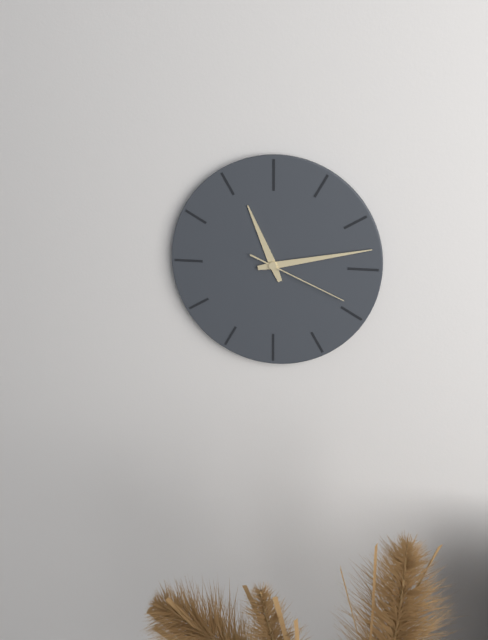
11:13:19
